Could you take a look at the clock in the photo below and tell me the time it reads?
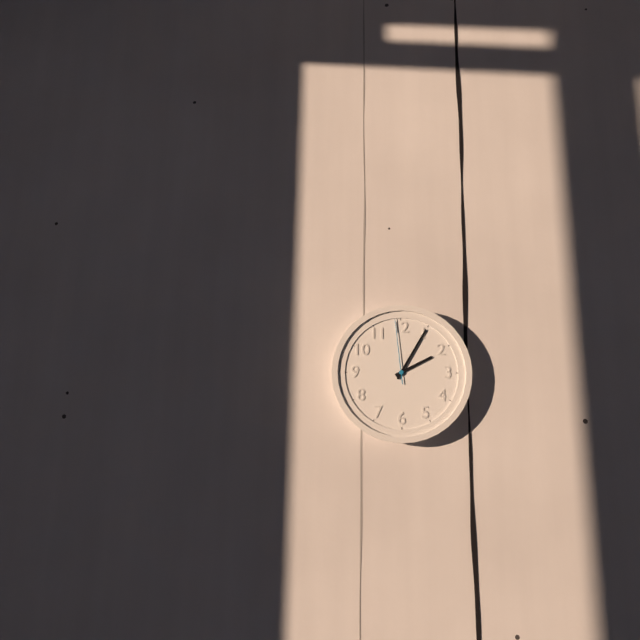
2:05:59
